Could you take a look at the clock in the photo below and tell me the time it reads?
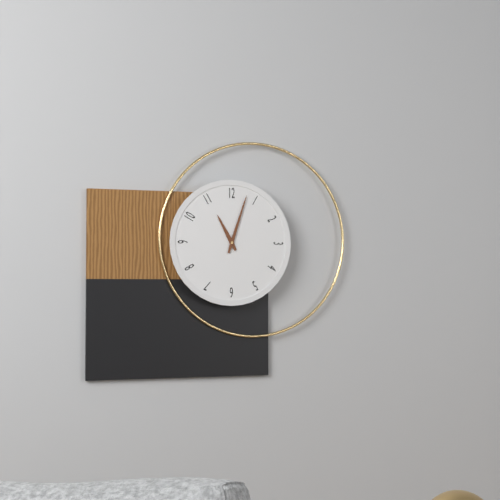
11:03
